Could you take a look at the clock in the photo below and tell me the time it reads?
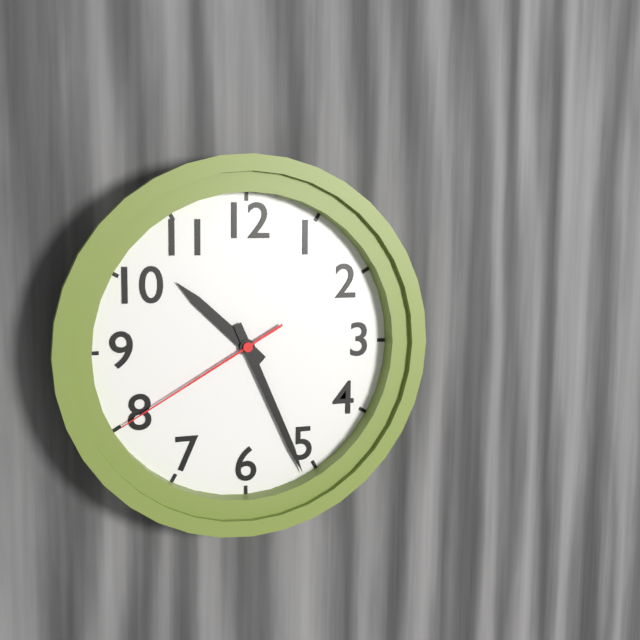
10:26:40
